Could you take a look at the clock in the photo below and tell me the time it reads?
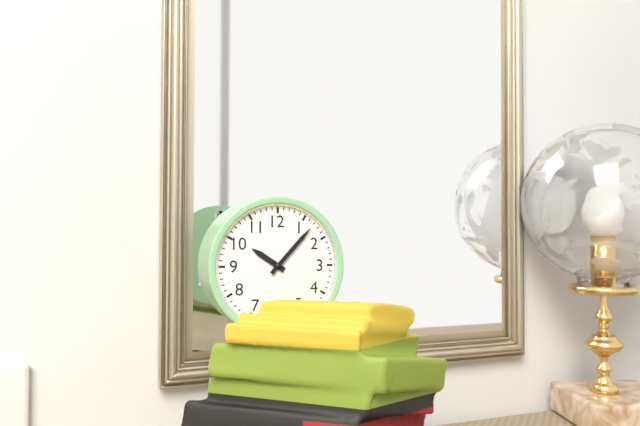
10:07
